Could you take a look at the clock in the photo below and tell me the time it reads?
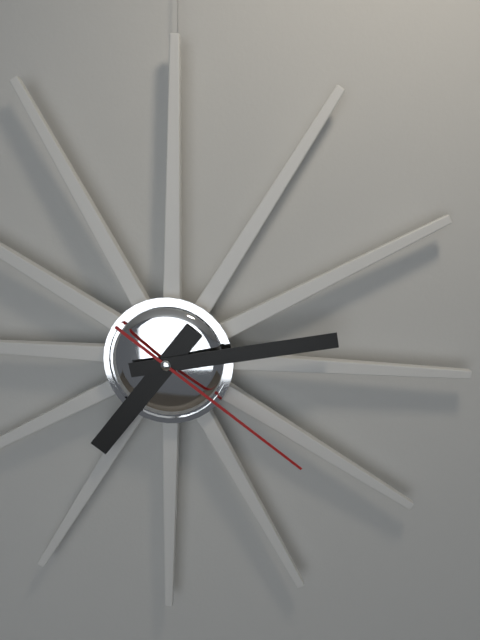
7:13:21
